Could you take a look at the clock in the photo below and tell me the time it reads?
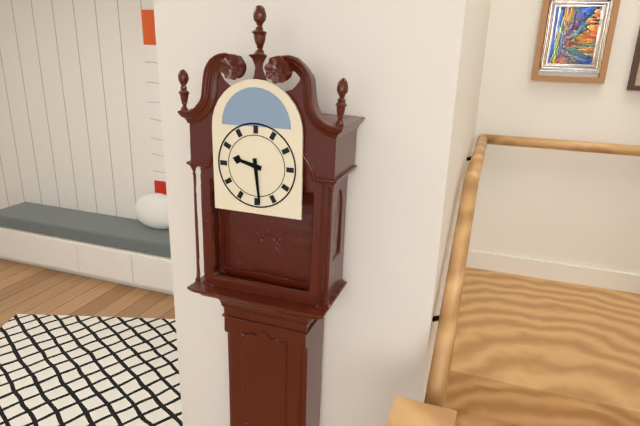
9:29
